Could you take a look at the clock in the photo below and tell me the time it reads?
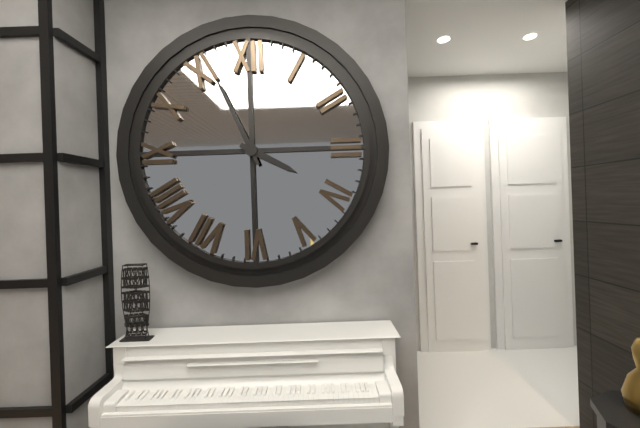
3:56
